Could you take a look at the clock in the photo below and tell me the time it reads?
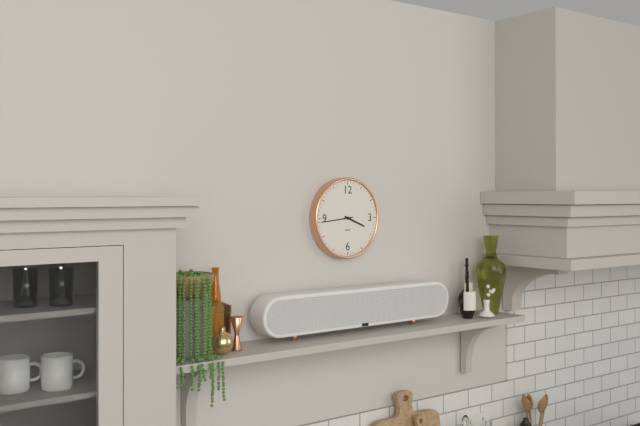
3:44
